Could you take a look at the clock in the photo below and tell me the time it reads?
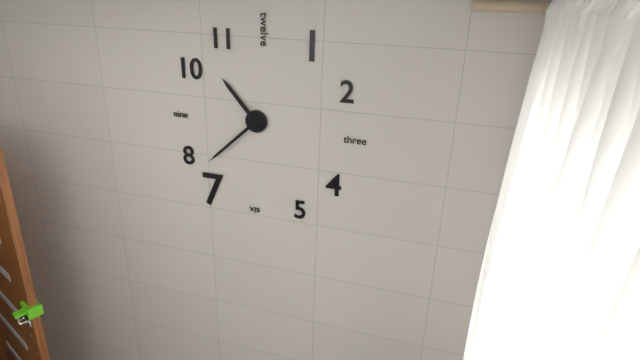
10:38
